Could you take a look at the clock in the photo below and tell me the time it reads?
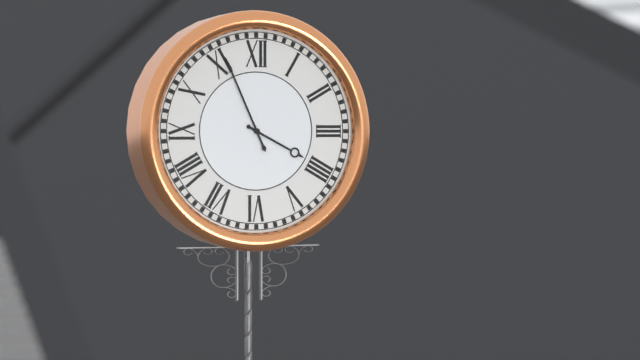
3:56
